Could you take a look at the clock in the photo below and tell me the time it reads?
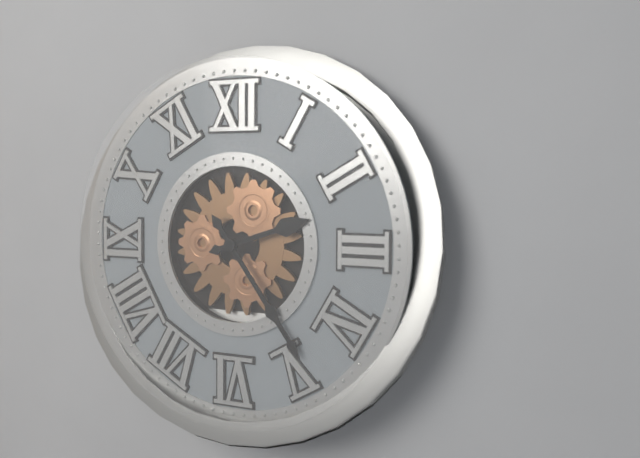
2:24
